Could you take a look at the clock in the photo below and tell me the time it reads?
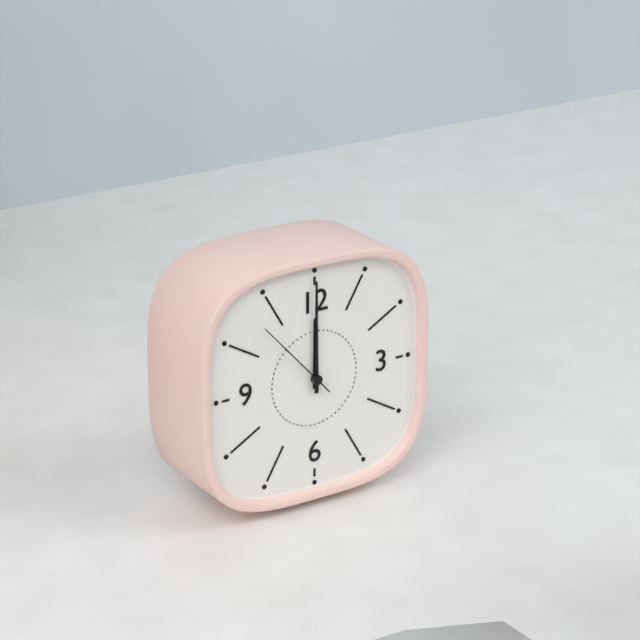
12:00:53
